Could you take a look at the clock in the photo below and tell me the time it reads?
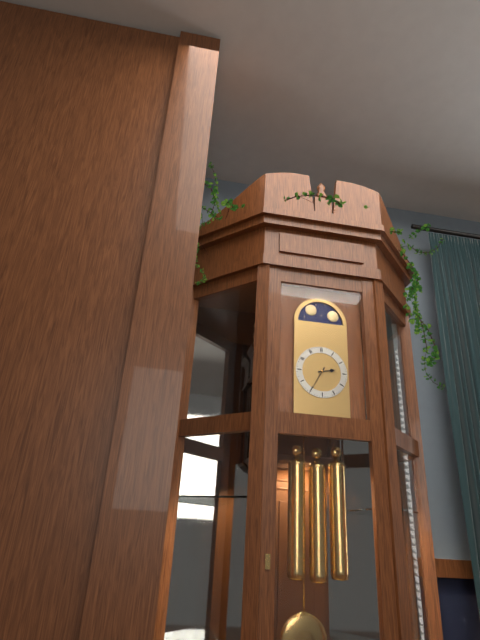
2:35
